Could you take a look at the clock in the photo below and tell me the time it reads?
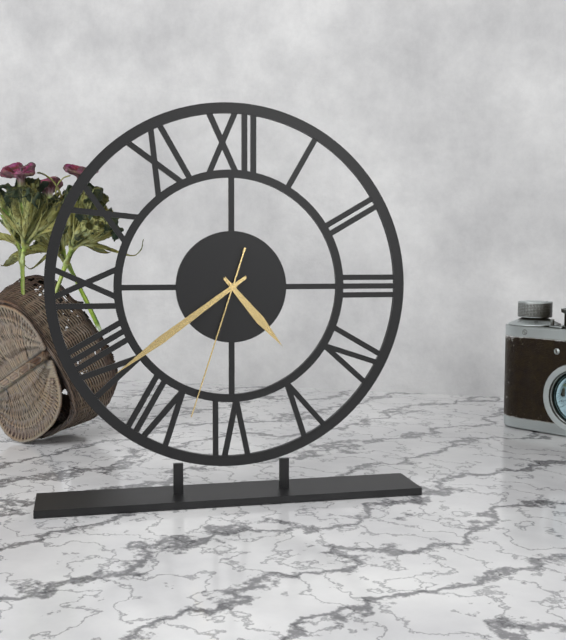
4:39:33
